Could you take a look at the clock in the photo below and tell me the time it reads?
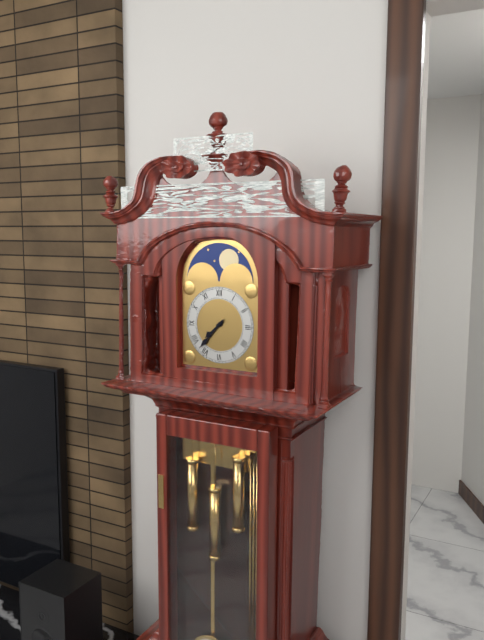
7:37
